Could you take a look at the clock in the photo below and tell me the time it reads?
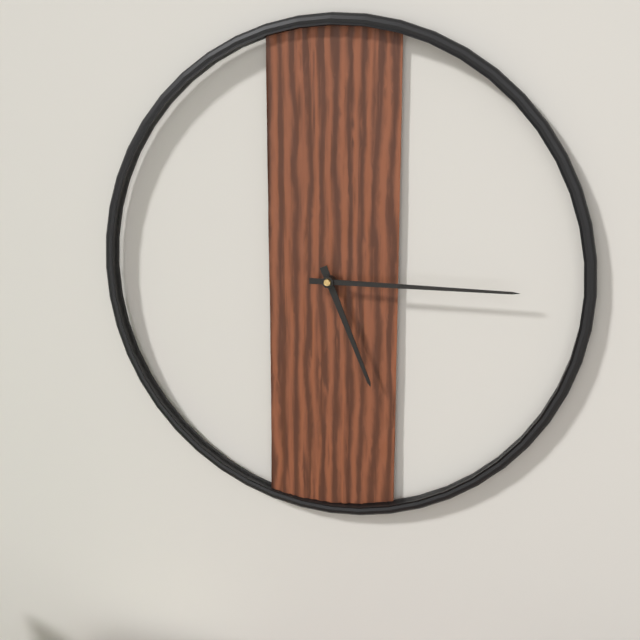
5:15
